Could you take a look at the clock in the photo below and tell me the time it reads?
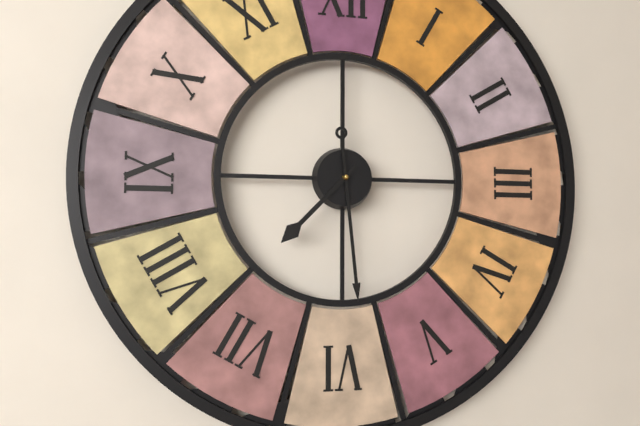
7:29
